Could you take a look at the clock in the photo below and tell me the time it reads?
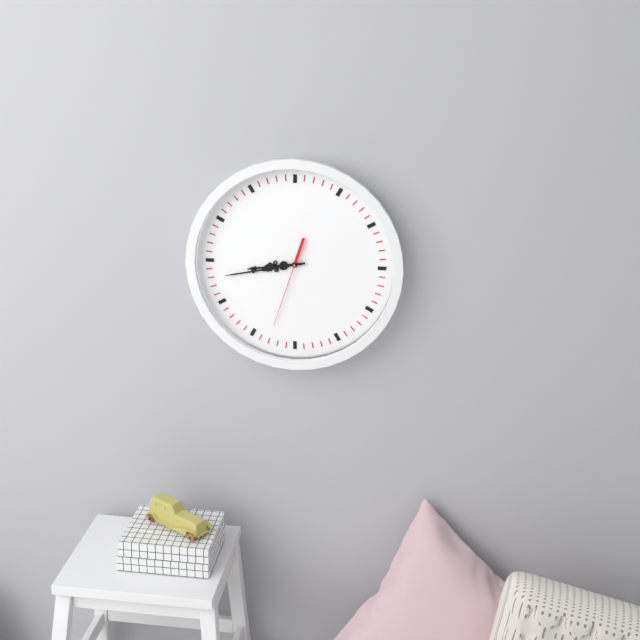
8:43:33
